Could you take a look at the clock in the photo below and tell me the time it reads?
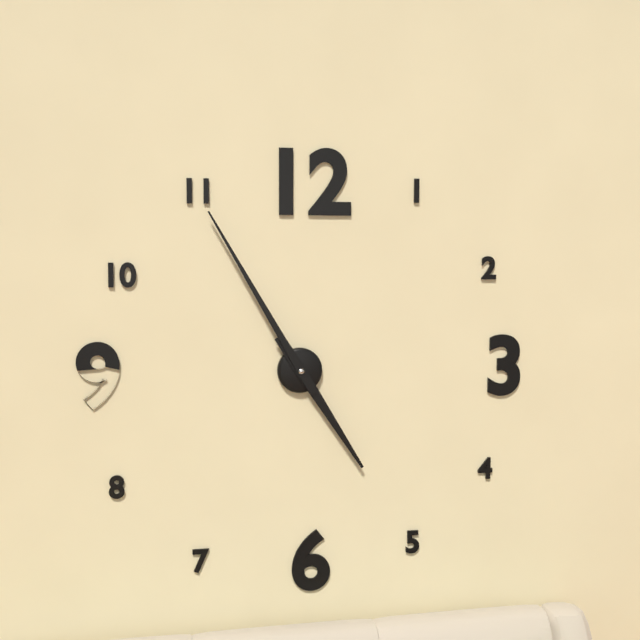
4:55
